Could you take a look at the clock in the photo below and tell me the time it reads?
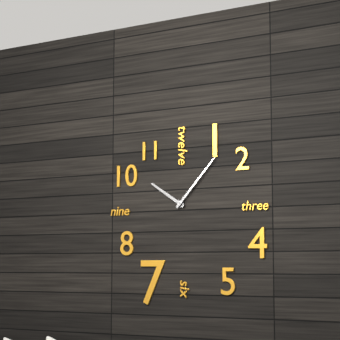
10:07
